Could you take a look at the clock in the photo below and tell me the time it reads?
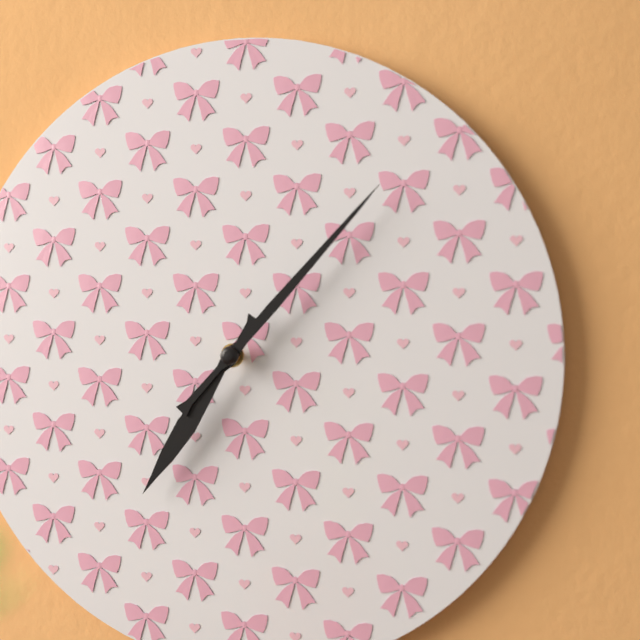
7:07
